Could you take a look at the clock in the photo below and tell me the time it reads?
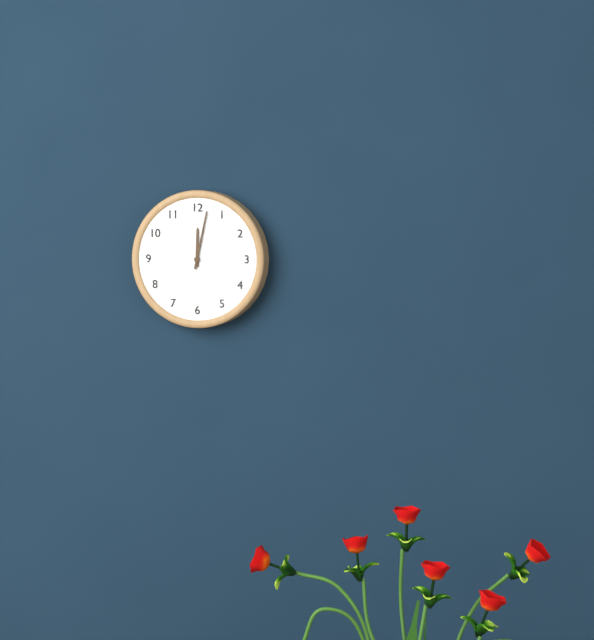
12:02
